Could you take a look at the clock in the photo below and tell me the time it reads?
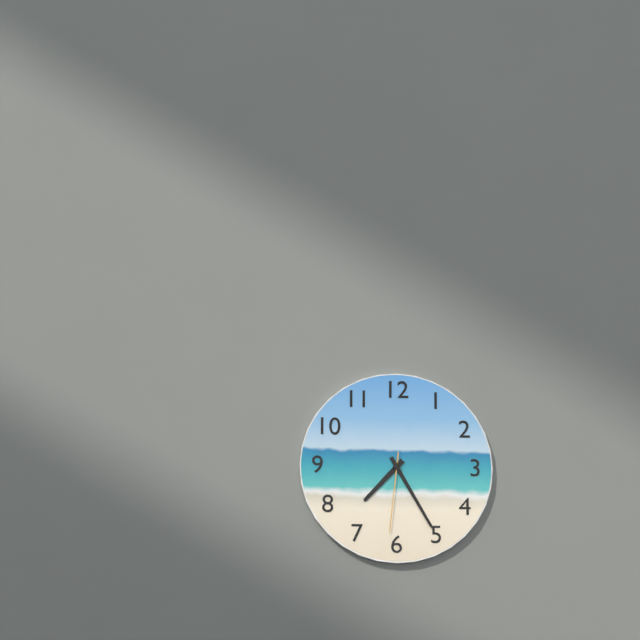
7:25:31
